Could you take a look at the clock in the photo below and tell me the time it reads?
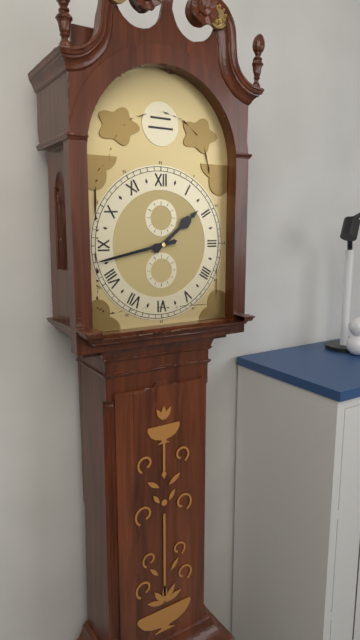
1:43
